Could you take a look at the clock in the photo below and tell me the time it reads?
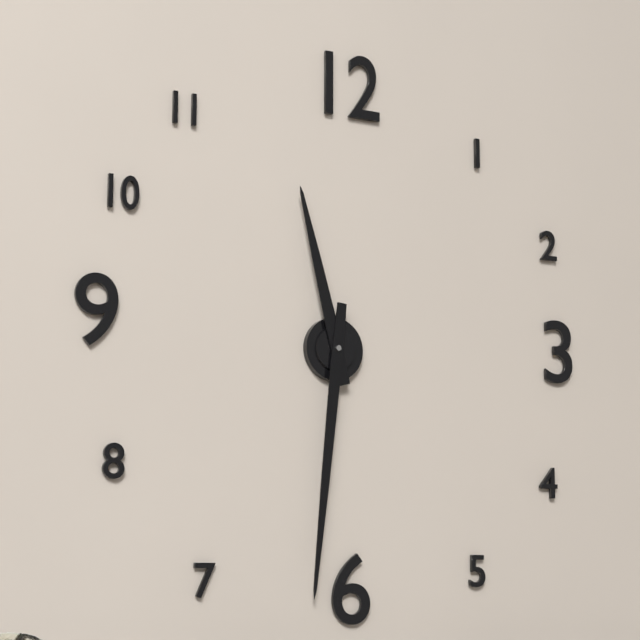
11:31
